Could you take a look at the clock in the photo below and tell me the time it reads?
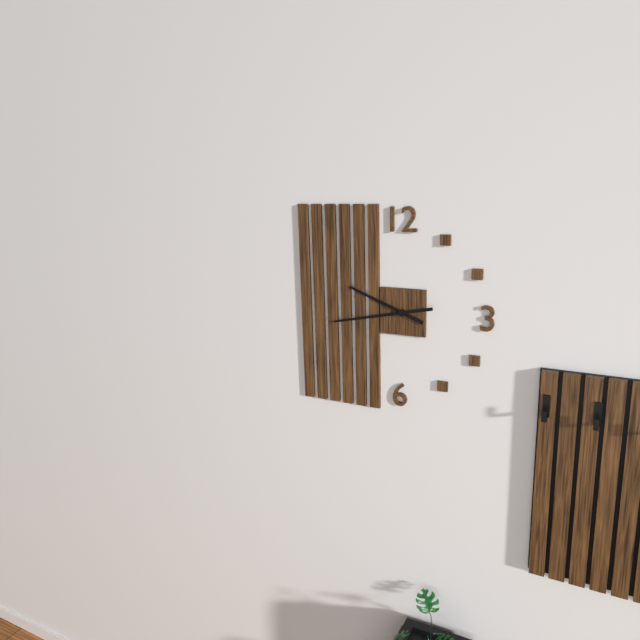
9:43
